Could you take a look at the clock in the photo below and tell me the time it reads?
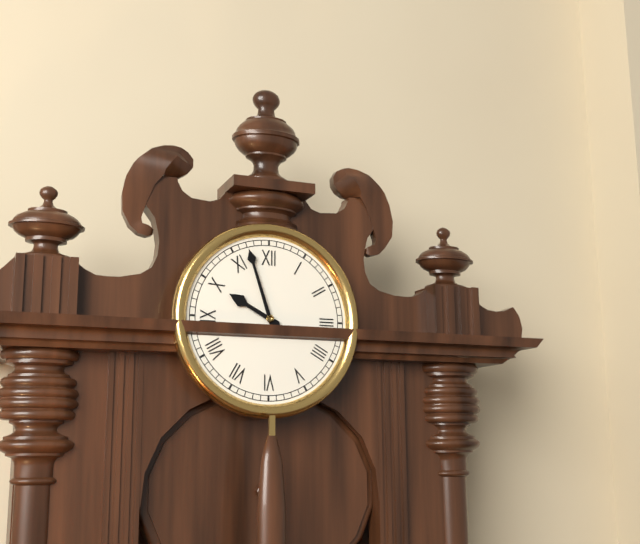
9:57
